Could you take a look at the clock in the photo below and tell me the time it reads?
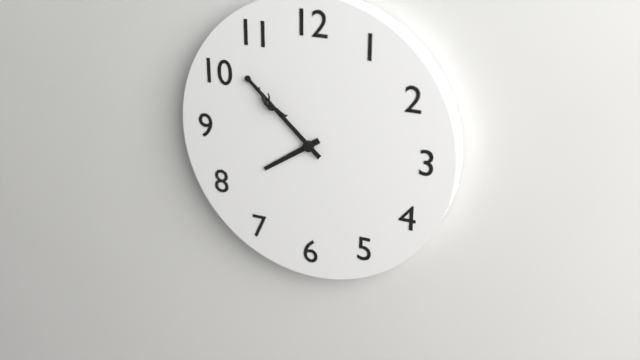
7:52
